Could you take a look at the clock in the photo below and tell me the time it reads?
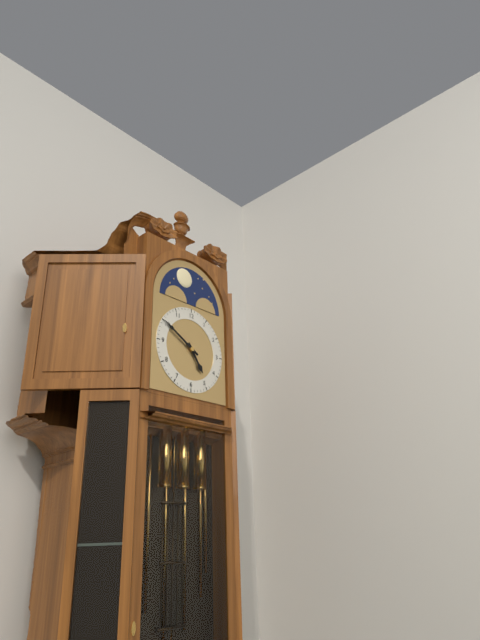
4:50
